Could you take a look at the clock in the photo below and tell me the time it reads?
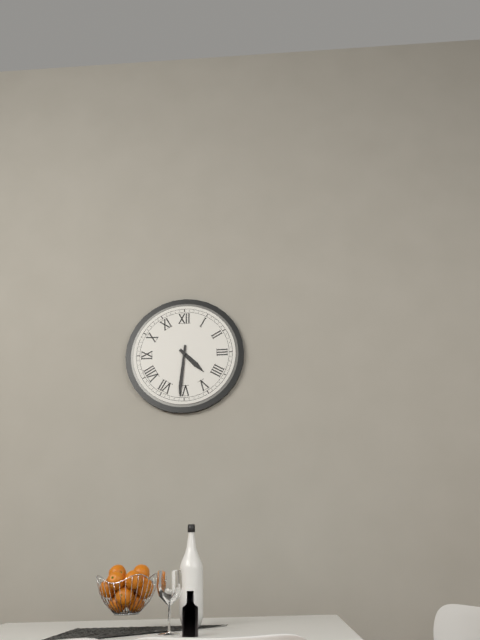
4:31
